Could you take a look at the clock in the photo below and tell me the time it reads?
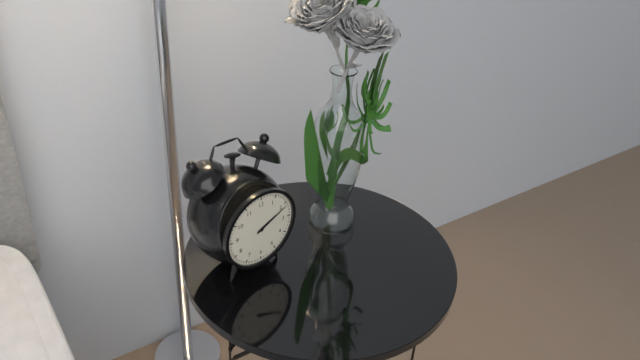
2:11
